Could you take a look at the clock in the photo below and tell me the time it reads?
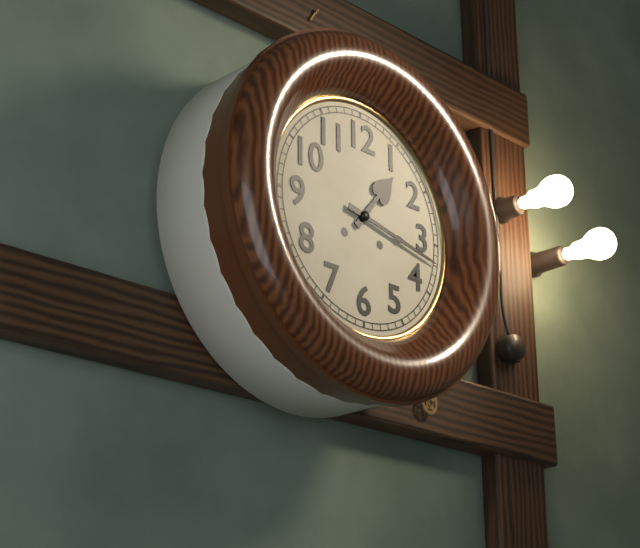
1:17
